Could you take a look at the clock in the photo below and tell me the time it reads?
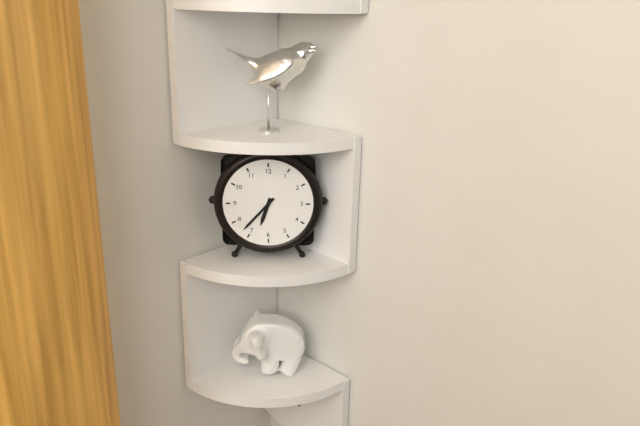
6:37
